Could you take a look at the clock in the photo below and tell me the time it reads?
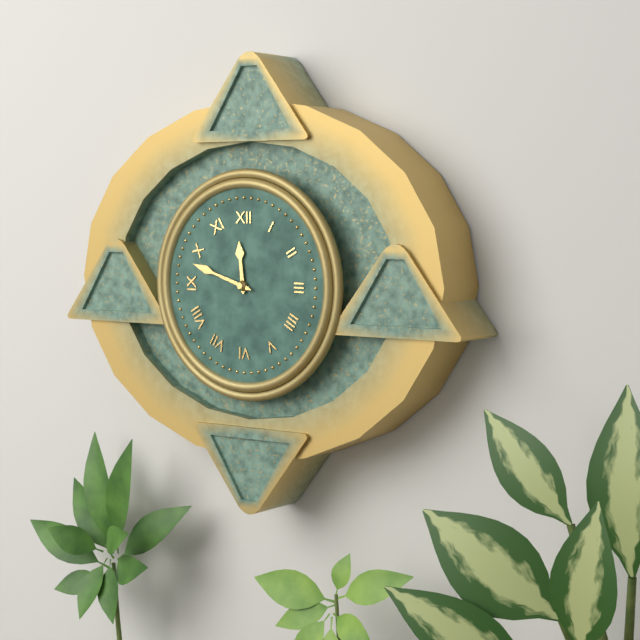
11:48
